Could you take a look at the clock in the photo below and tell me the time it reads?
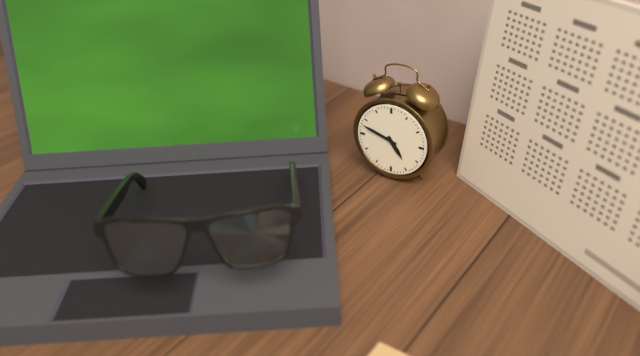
4:48
